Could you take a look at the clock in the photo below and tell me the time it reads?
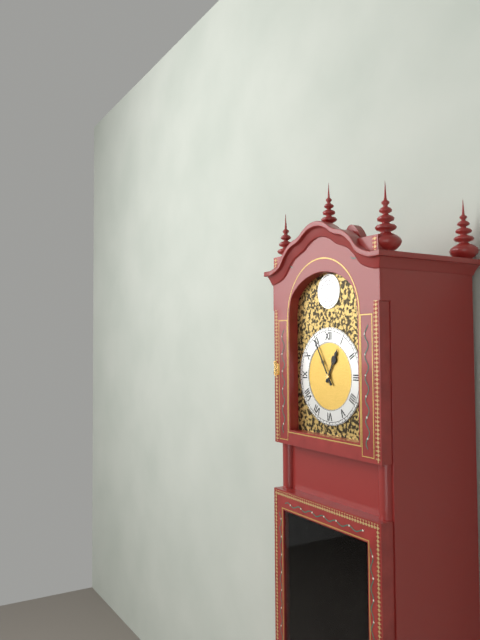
12:55
